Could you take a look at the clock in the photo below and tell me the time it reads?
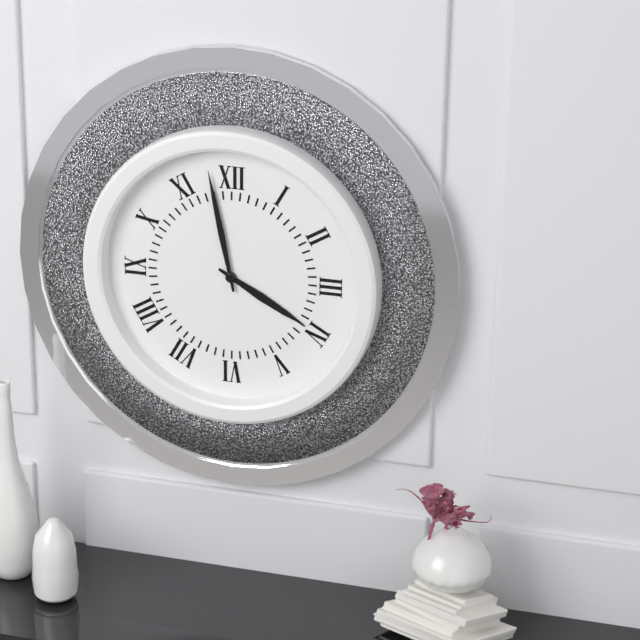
3:58
